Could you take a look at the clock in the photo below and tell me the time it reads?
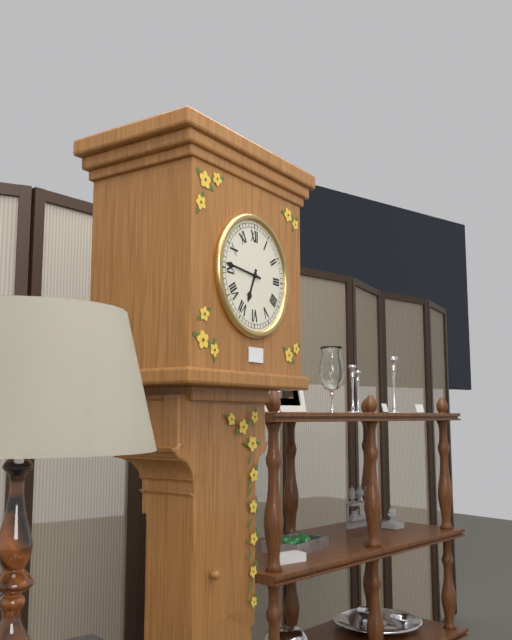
6:46
